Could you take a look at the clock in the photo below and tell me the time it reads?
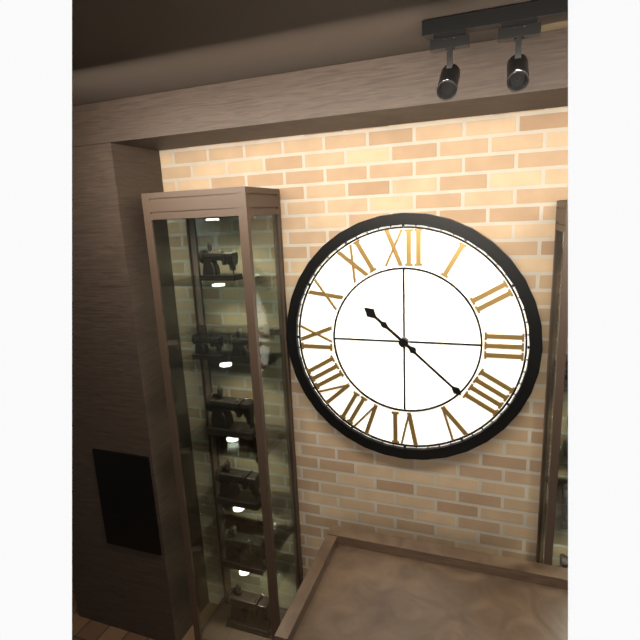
10:22
